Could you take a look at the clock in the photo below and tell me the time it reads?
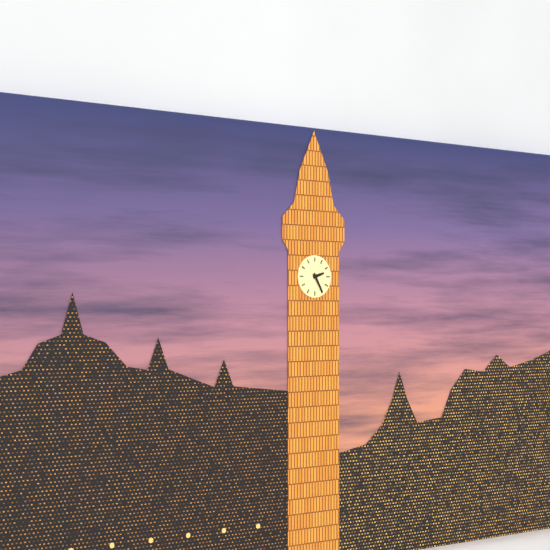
2:25
